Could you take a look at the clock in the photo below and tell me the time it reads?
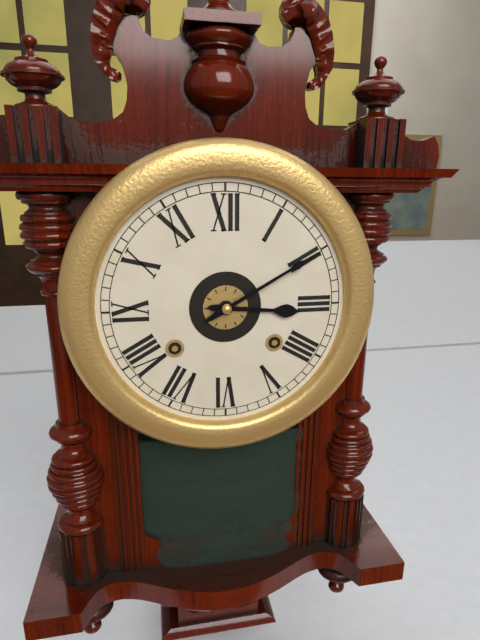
3:10
